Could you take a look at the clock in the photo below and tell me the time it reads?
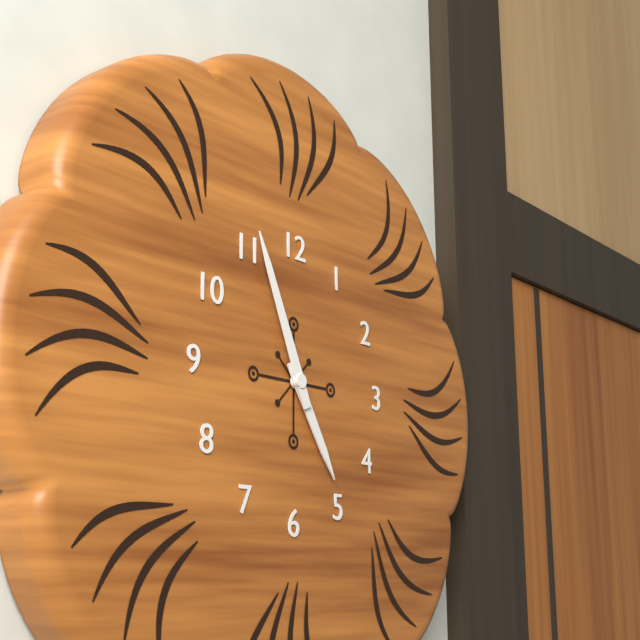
4:56
